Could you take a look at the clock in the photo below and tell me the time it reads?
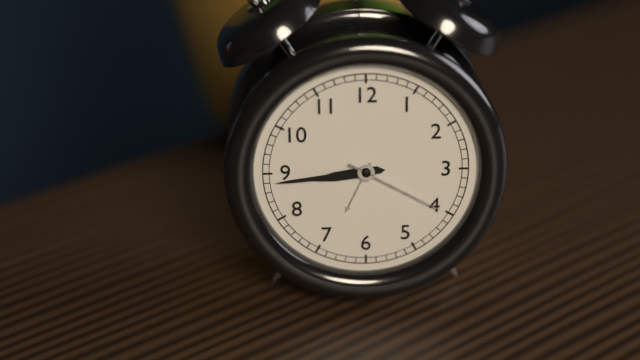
8:44:20
